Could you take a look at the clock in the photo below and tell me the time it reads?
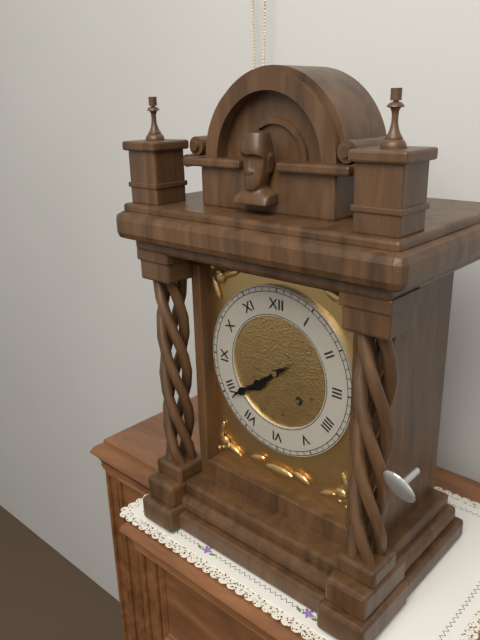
7:39
